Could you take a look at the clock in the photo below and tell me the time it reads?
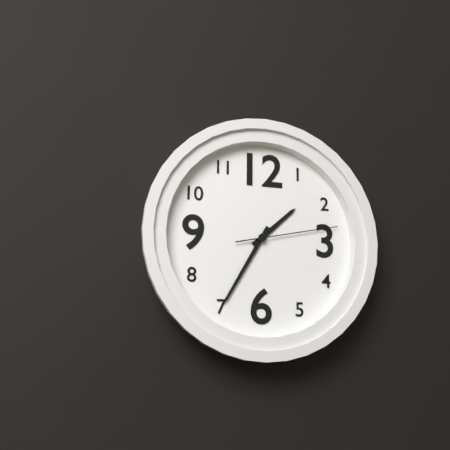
1:35:13
